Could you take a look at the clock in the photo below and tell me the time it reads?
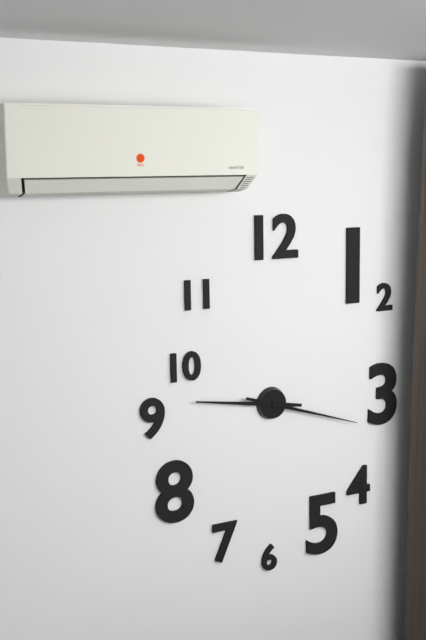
9:18
